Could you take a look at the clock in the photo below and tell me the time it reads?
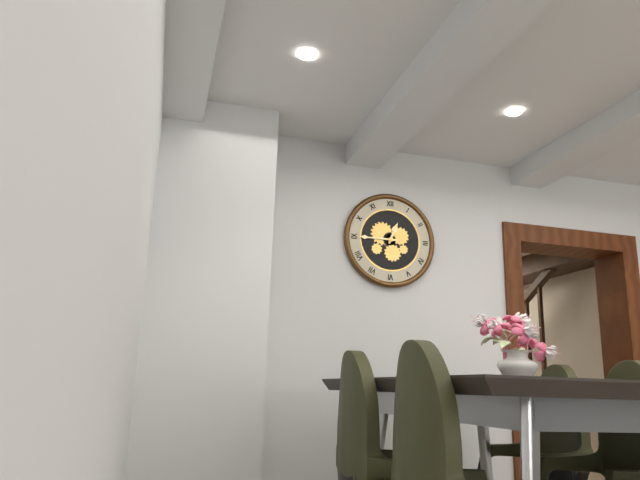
12:45
